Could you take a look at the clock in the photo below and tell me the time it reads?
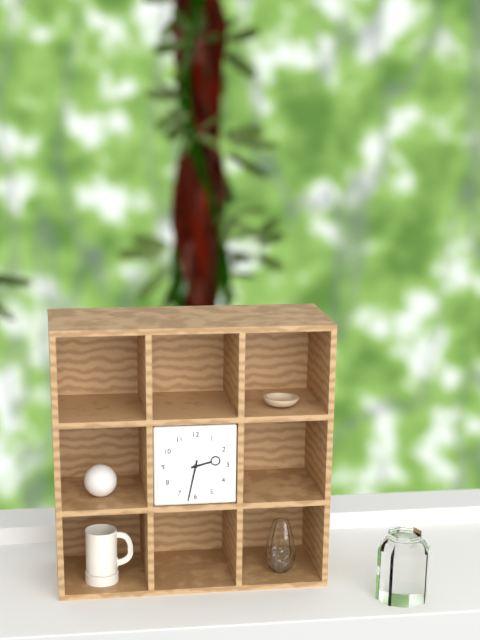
2:32
